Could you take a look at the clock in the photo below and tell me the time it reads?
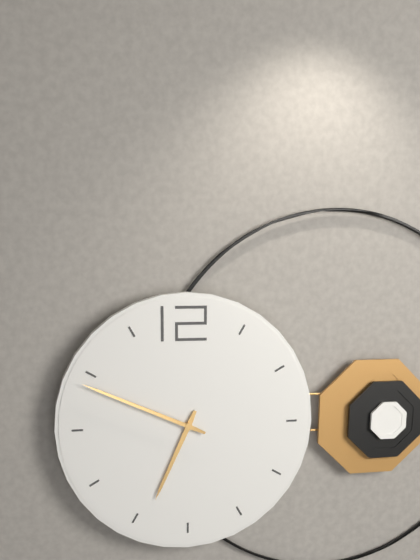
6:49
